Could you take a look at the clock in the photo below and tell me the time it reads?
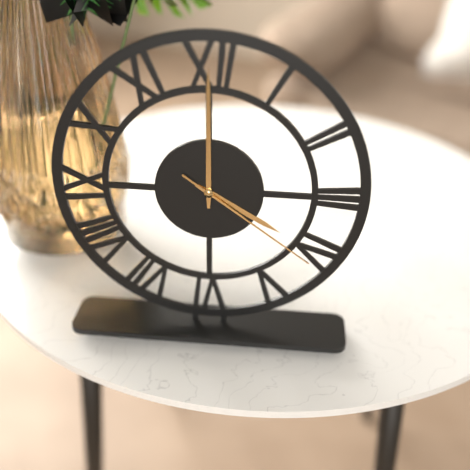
4:00:21
